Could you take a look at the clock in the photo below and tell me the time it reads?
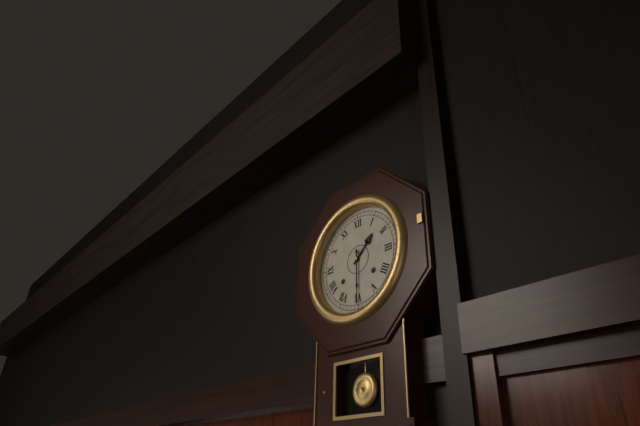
1:30
